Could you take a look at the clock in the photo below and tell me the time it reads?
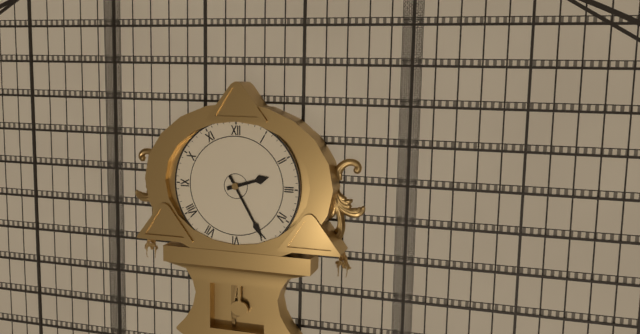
2:25
